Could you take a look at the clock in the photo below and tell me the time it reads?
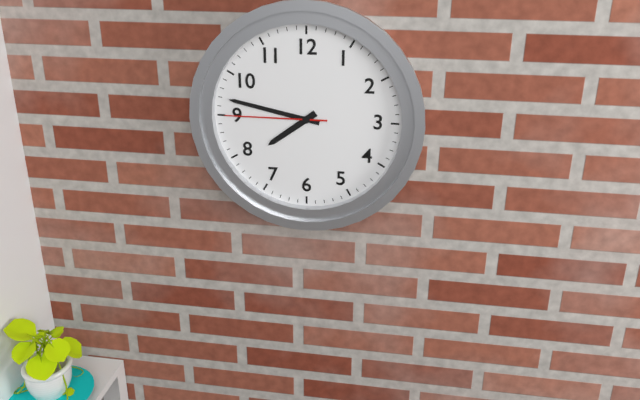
7:47:45
